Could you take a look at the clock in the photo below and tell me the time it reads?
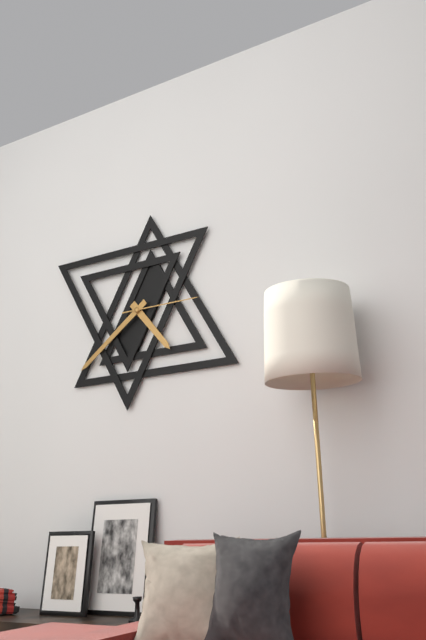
4:39:15
